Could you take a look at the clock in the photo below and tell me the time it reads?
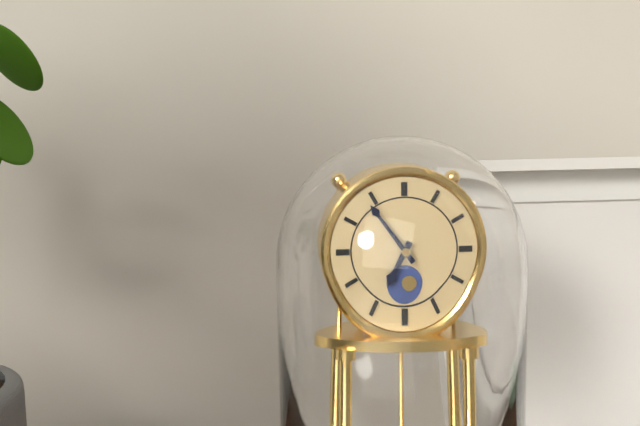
6:54
